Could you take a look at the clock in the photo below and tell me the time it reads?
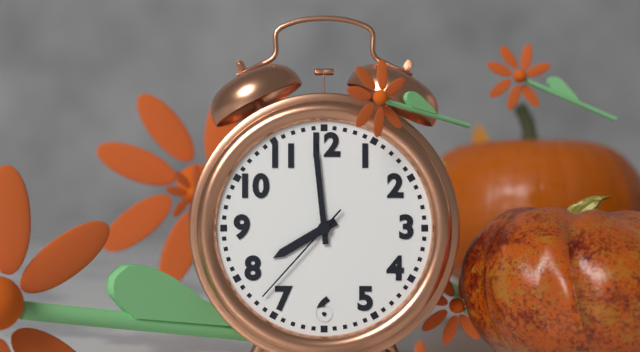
7:59:37
